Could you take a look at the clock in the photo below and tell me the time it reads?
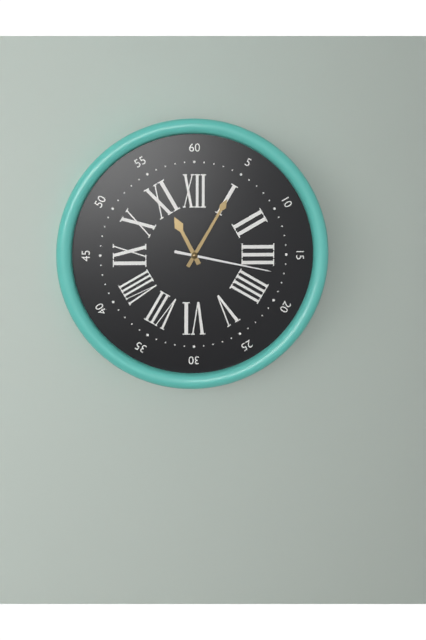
11:05:17
